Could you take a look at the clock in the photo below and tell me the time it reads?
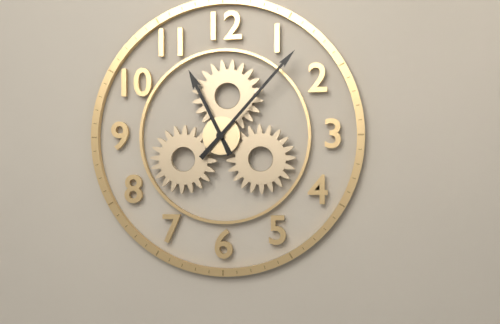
11:07
